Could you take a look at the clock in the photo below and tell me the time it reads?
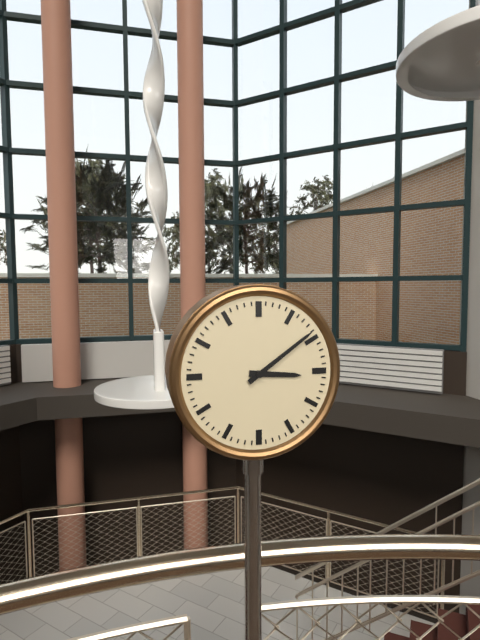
3:09
